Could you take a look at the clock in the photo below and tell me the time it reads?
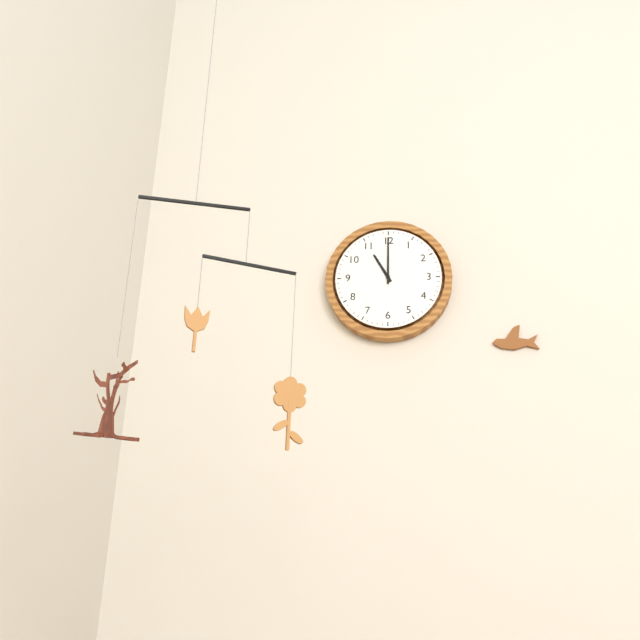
11:00
